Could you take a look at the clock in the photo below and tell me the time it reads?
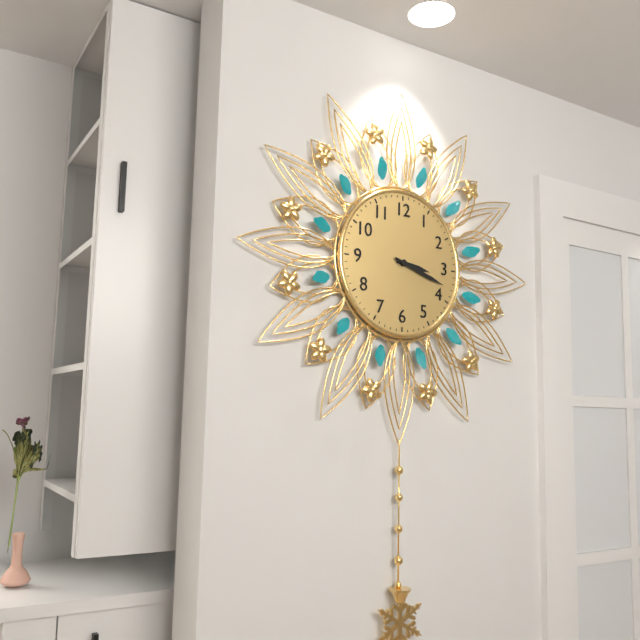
3:18
